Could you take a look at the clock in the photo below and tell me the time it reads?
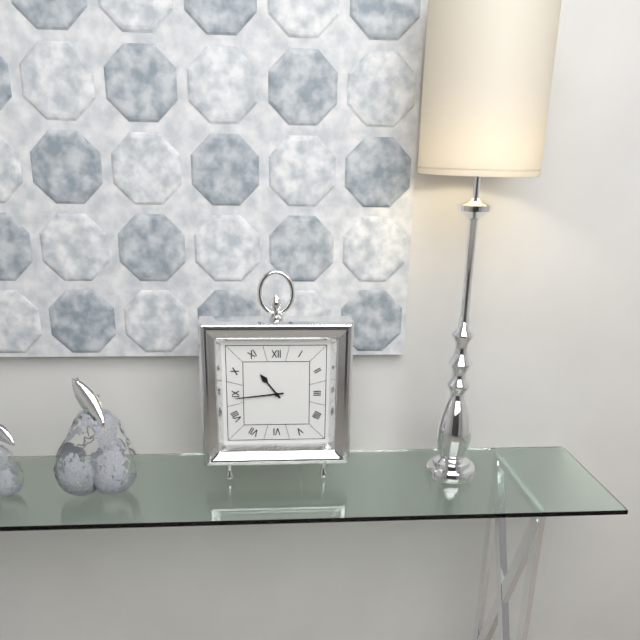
10:44
